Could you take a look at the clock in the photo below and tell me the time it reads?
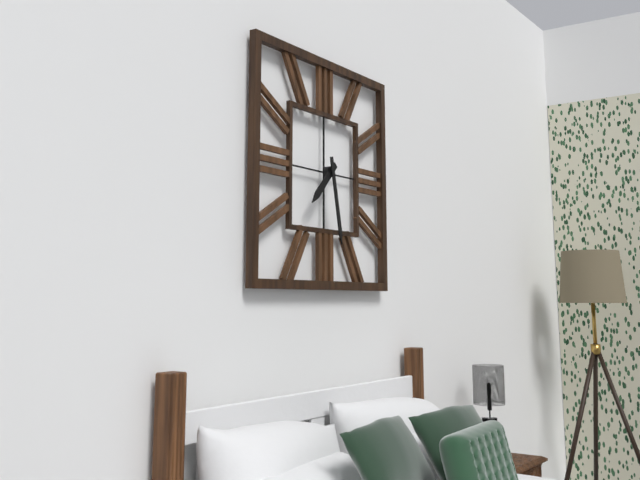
7:28
